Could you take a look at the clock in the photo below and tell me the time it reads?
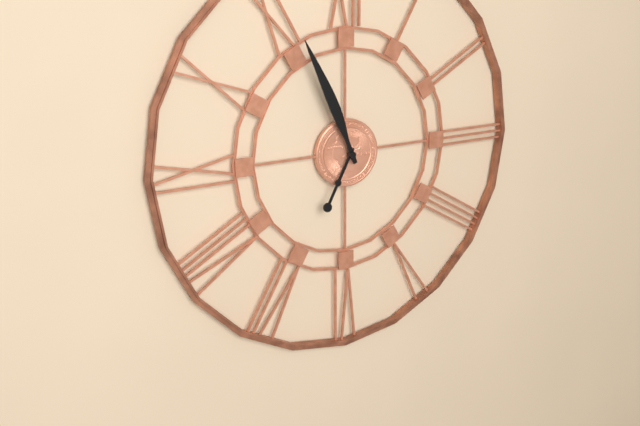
6:56
